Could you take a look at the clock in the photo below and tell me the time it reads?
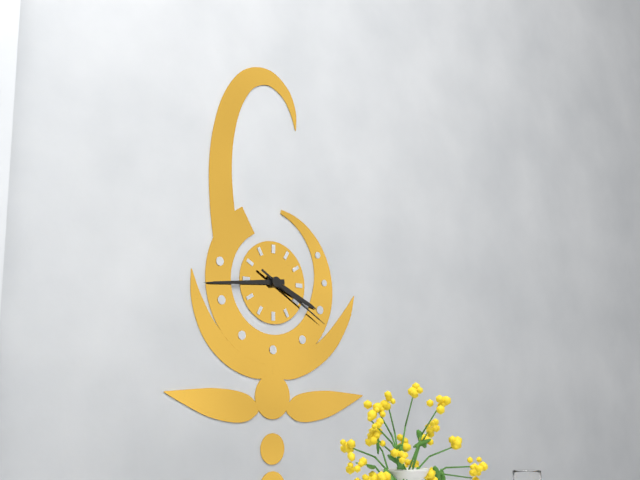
3:44:20
